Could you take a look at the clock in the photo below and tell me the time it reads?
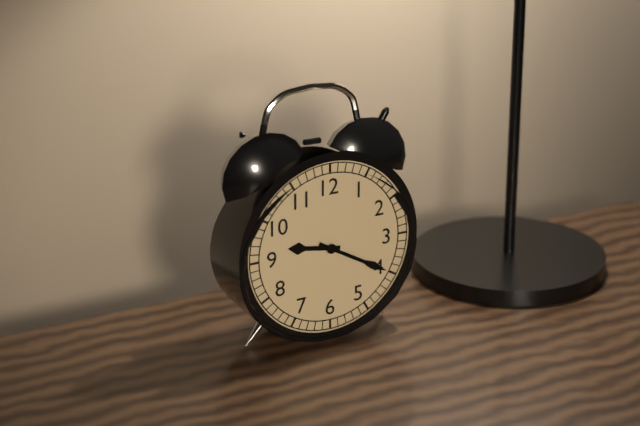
9:20
